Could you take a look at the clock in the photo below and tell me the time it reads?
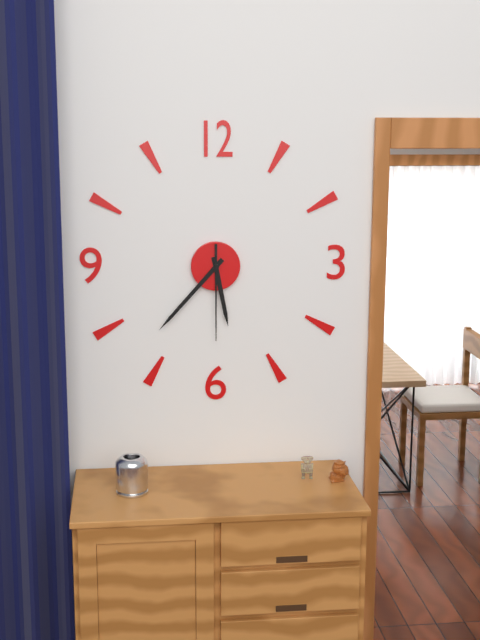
5:37:30
